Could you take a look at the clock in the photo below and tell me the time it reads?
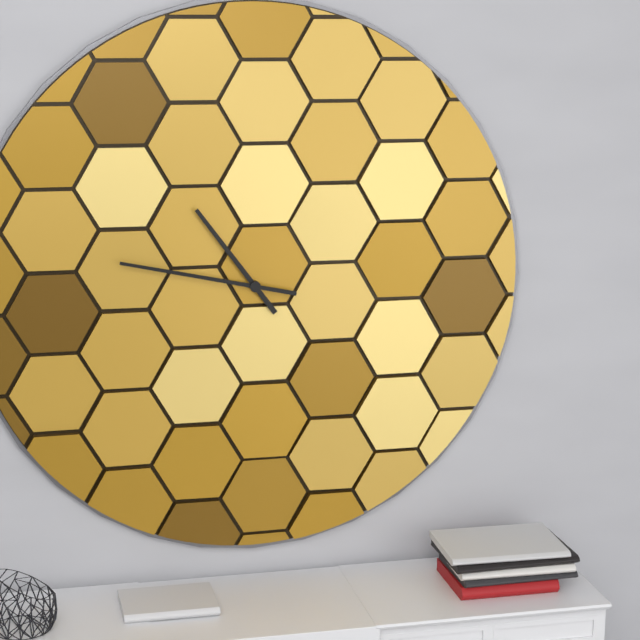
10:47
